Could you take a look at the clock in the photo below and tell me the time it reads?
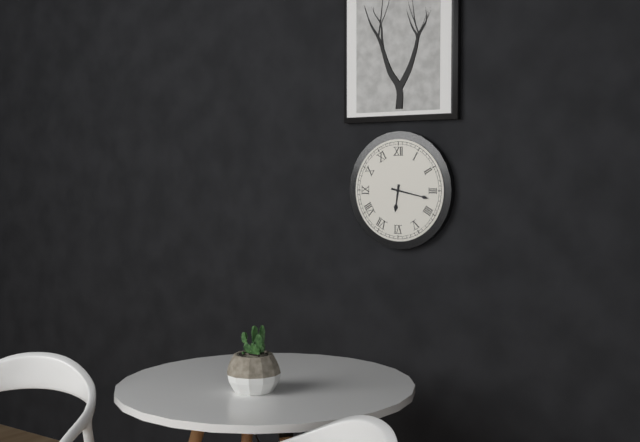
6:17
